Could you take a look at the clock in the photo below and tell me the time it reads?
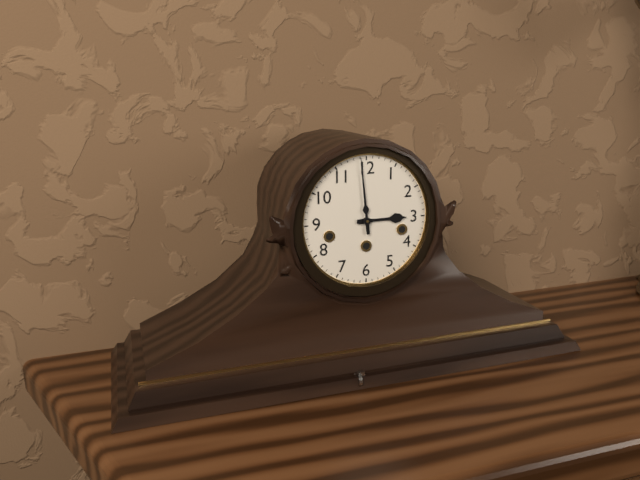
2:59
